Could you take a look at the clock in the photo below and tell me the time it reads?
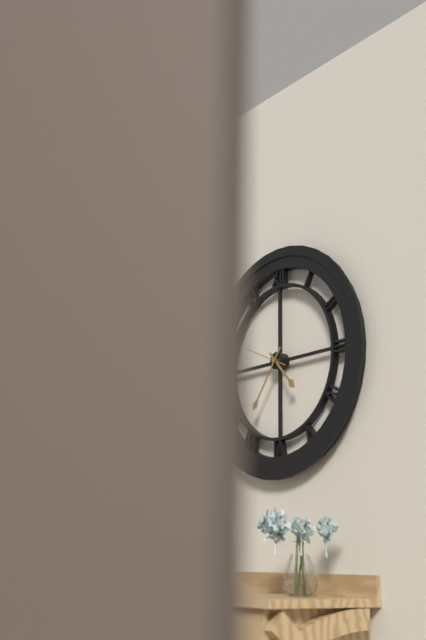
4:36
